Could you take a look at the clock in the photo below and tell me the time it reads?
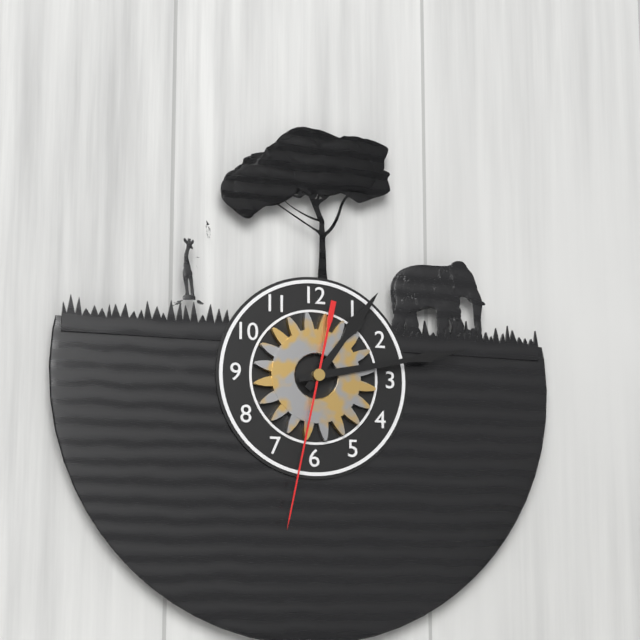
1:13:32
